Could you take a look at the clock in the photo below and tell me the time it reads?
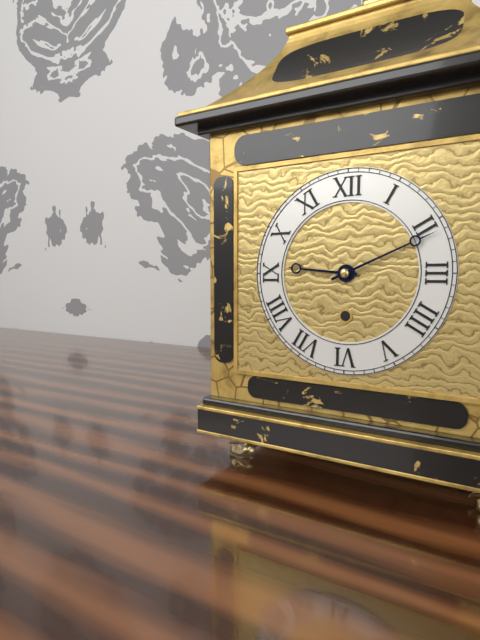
9:11
